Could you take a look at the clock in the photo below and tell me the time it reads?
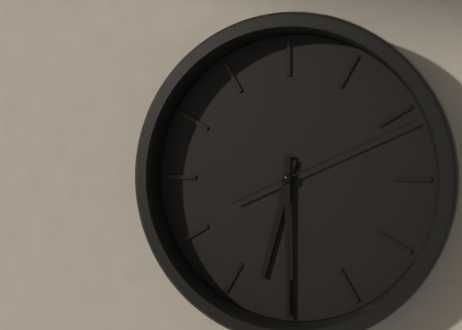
6:30:11
